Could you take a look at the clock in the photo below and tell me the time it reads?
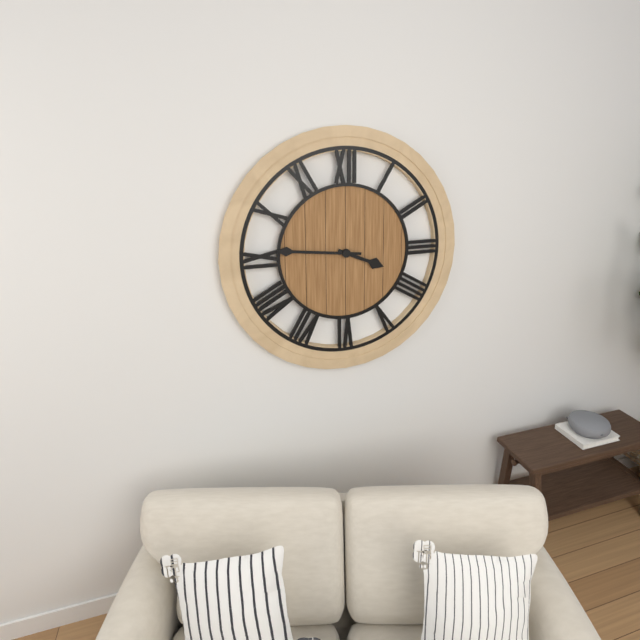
3:46
